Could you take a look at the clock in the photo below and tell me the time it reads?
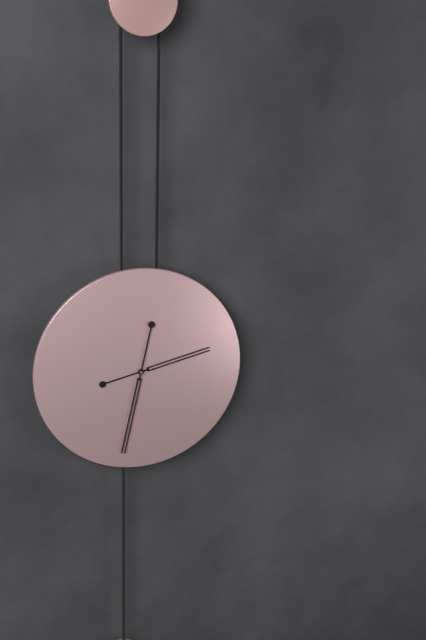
2:32
